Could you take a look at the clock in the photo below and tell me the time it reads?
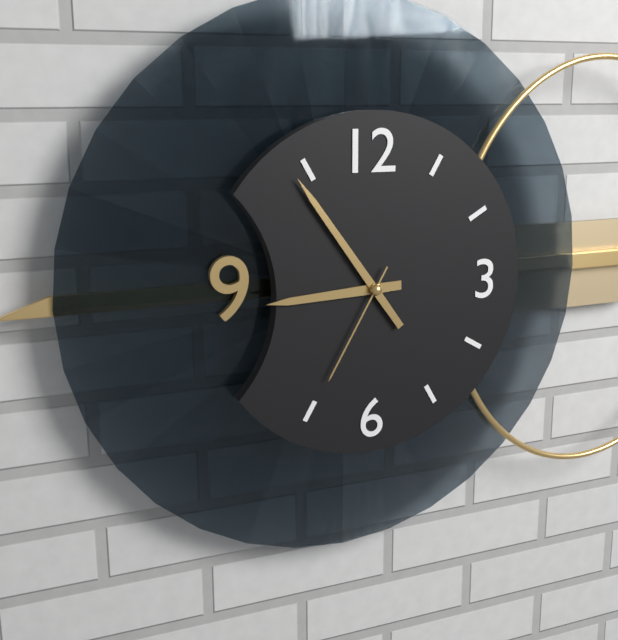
8:54:35
